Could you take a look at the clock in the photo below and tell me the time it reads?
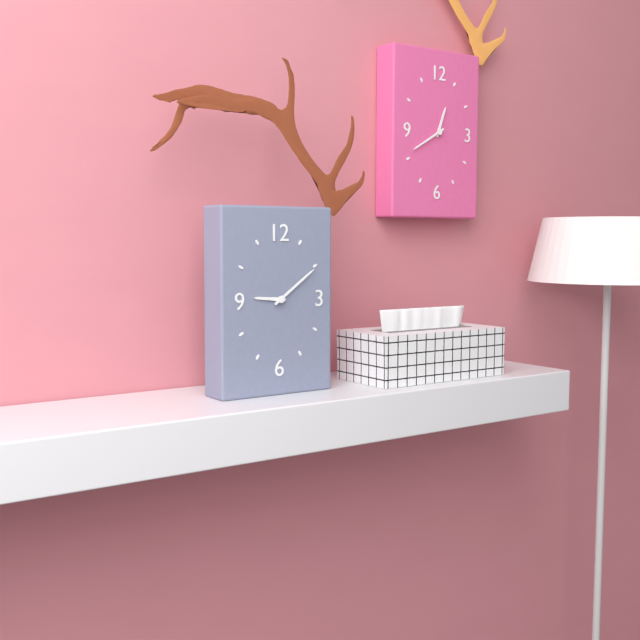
9:09
